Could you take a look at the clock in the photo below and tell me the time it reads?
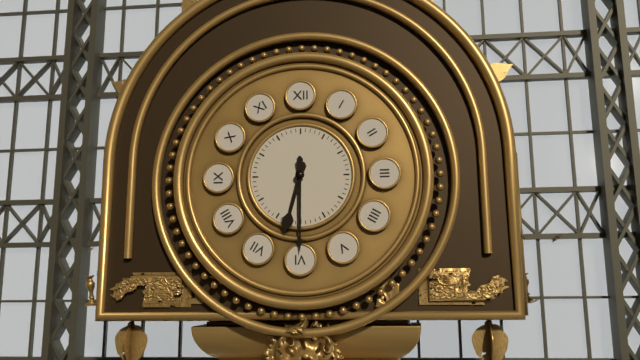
6:30
